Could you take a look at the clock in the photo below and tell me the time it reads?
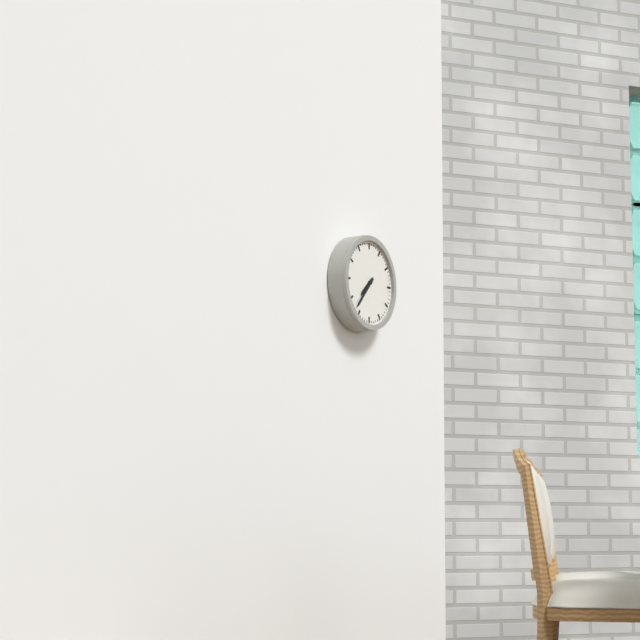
7:37
